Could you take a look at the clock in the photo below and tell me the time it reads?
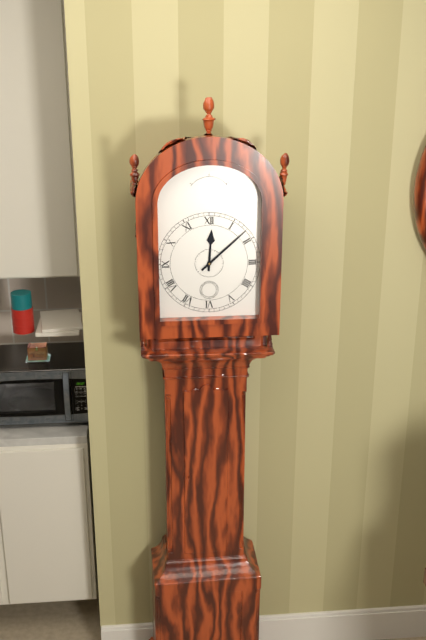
12:08
